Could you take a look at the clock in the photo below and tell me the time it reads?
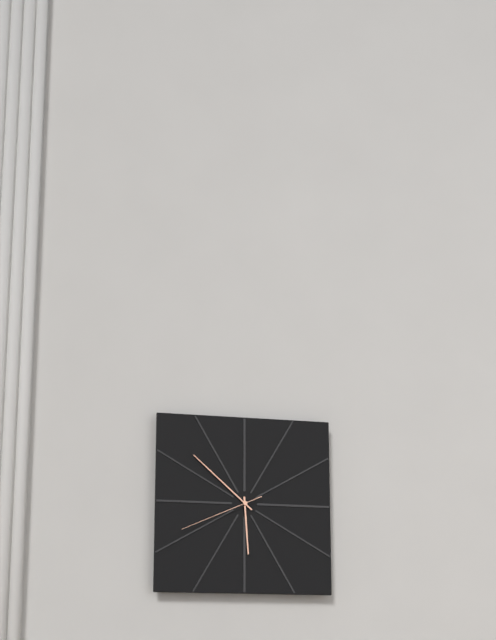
5:52:41
